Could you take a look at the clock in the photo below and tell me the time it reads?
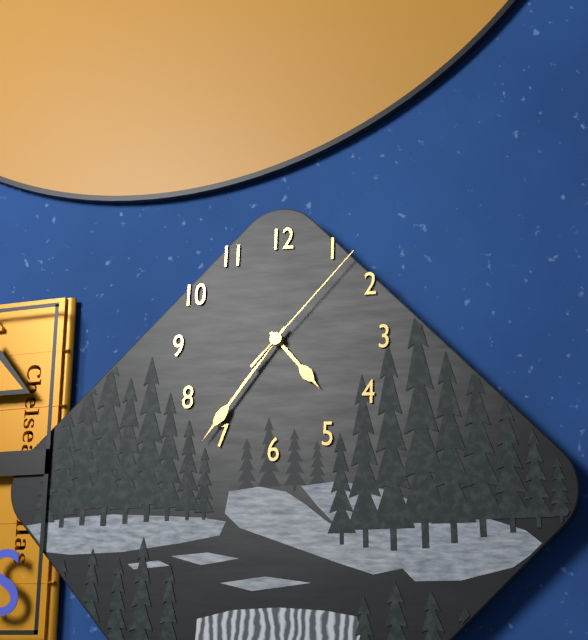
4:36:07
